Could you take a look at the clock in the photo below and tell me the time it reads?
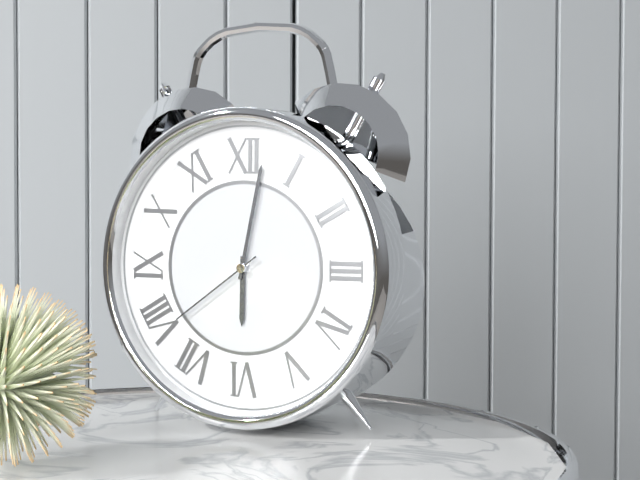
6:02:39
